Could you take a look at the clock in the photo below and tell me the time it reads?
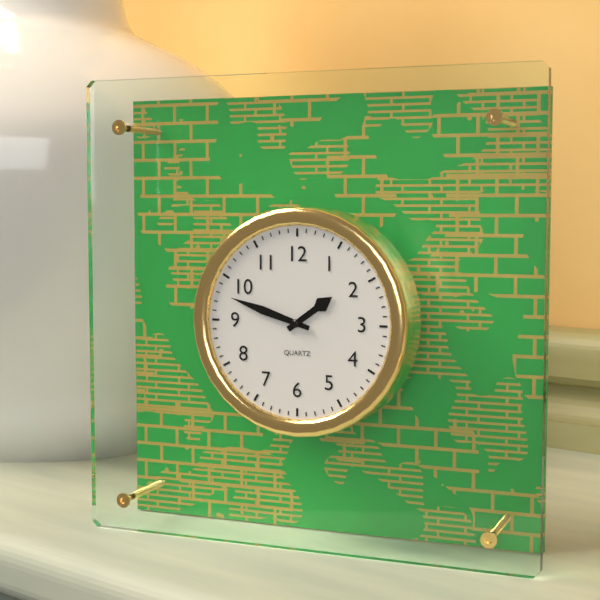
1:48
